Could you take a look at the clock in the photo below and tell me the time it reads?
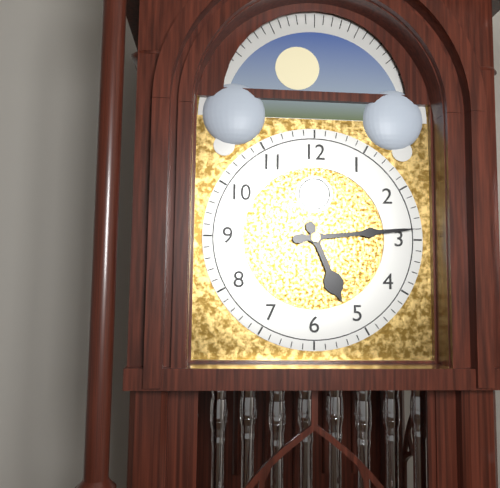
5:14
